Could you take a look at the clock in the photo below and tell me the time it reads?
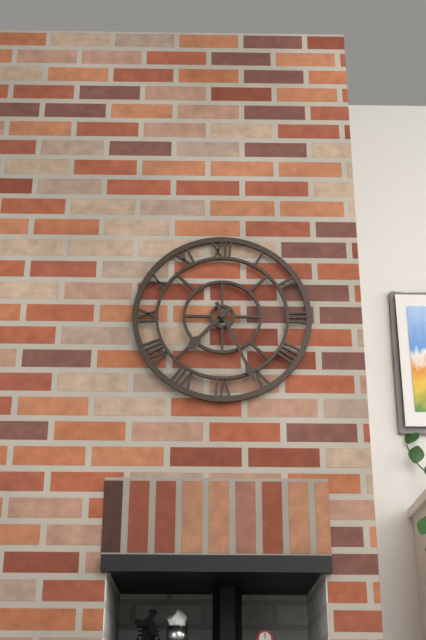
7:26
